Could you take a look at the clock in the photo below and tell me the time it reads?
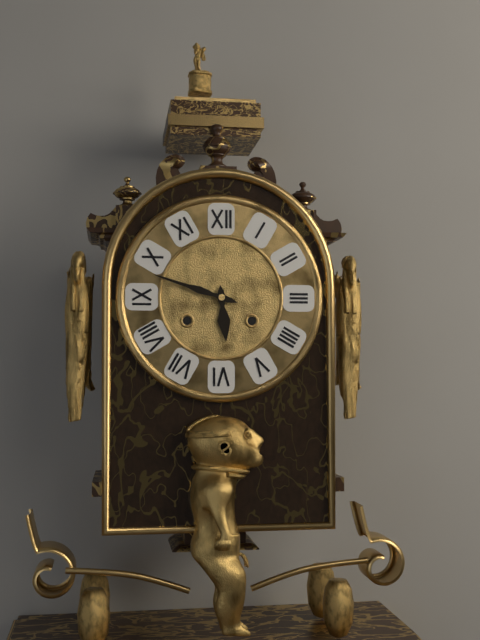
5:48
